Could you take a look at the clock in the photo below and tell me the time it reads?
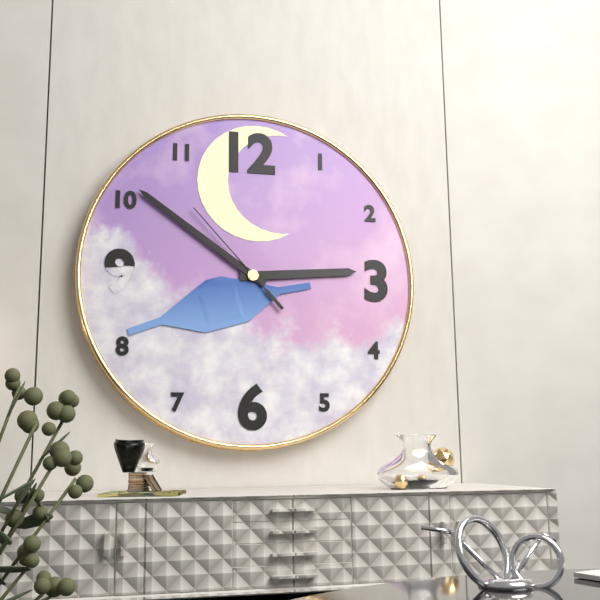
2:51:53
